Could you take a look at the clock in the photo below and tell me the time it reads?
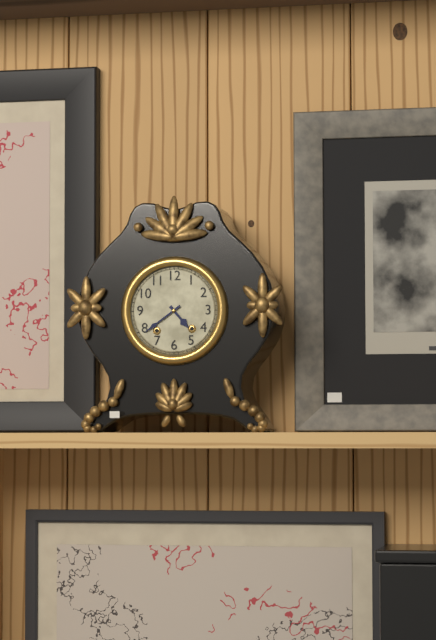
4:39
